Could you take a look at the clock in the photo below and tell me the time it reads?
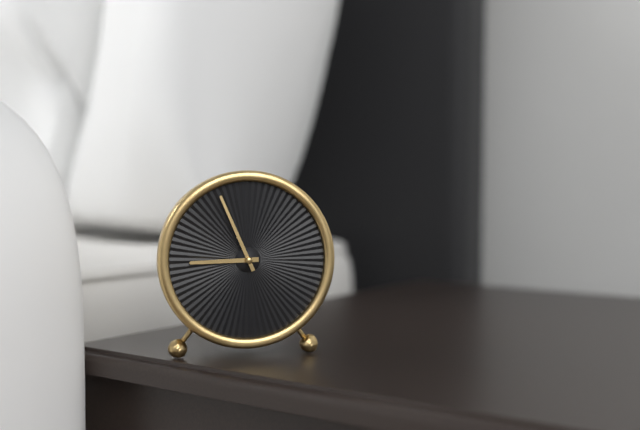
8:56
